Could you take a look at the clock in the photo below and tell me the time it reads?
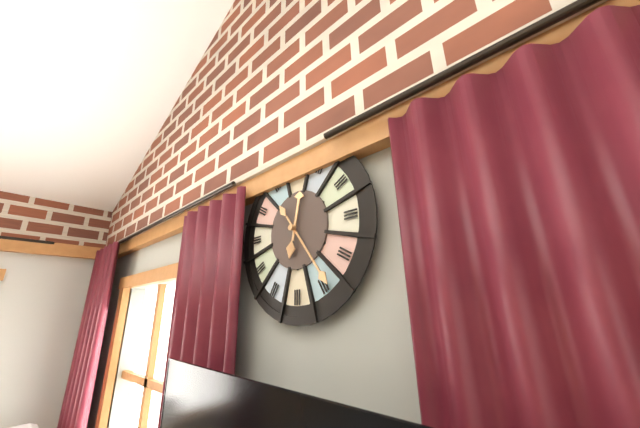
12:24
